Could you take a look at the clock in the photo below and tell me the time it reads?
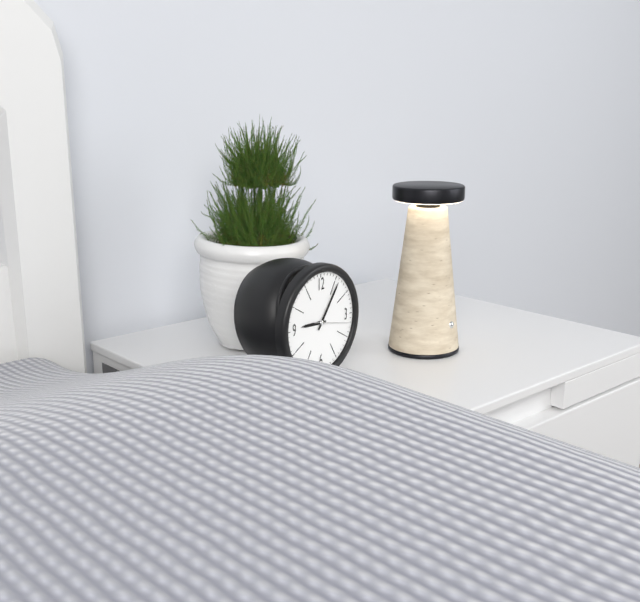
9:06
